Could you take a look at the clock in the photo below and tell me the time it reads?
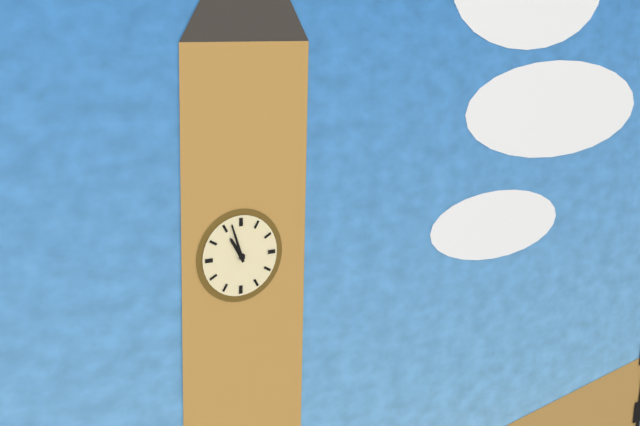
10:57
